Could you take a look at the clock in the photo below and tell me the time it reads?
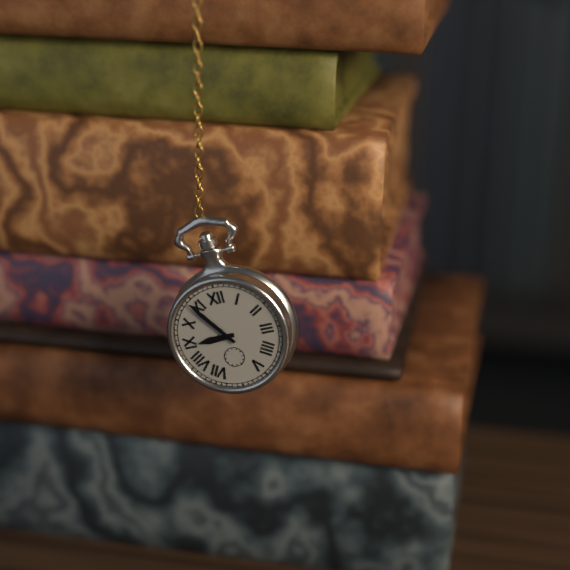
8:54
